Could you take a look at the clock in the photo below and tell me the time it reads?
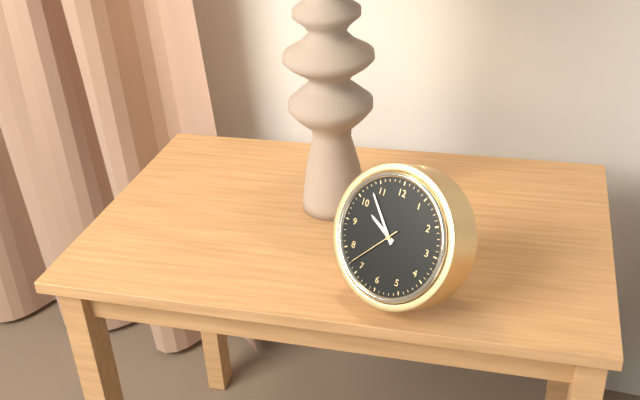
9:53:37
